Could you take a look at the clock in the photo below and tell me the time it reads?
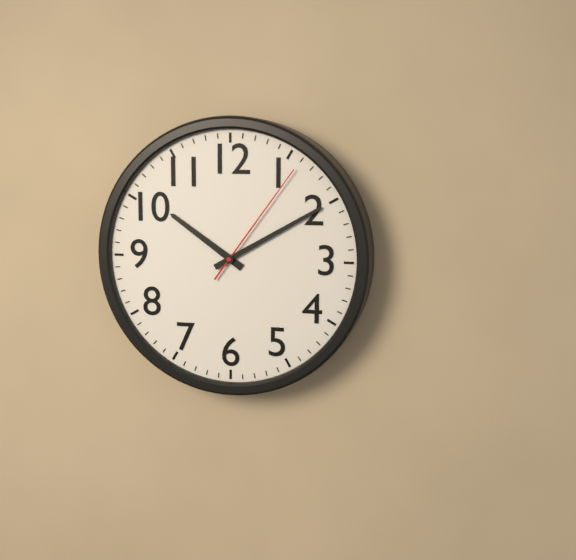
10:10:06
